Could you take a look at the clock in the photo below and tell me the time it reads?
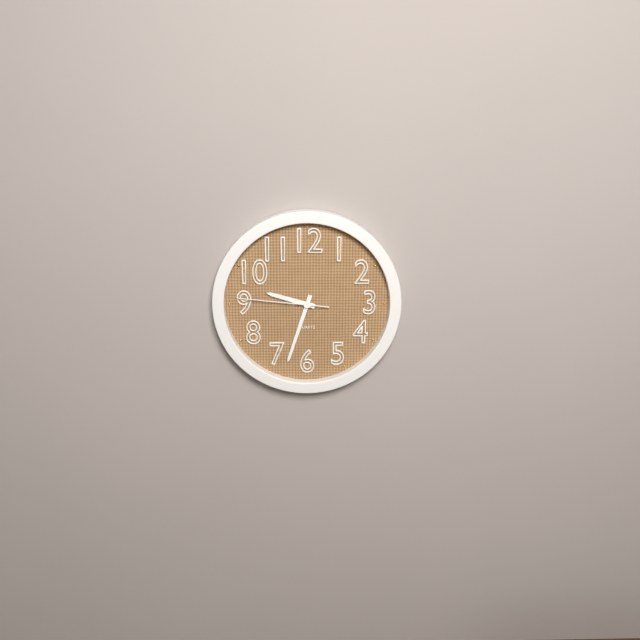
9:33:46
